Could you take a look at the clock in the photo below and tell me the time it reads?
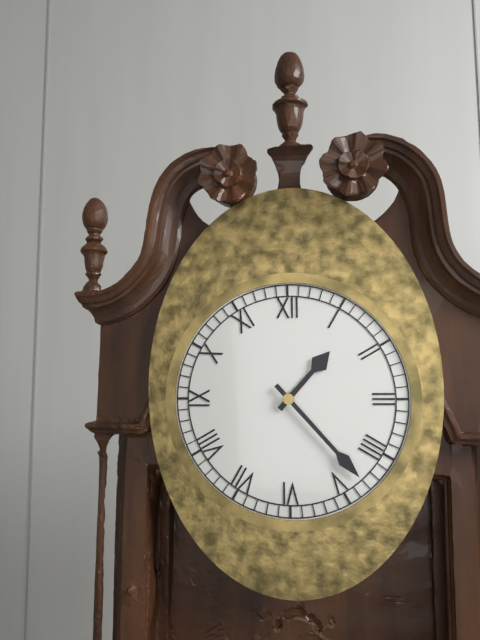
1:23
